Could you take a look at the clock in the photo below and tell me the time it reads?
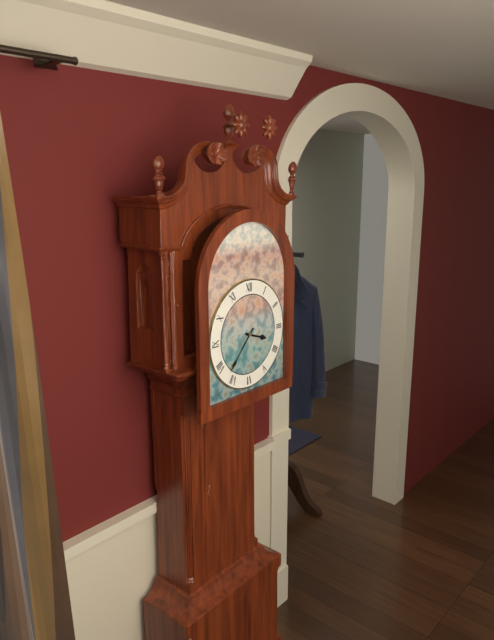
3:37
